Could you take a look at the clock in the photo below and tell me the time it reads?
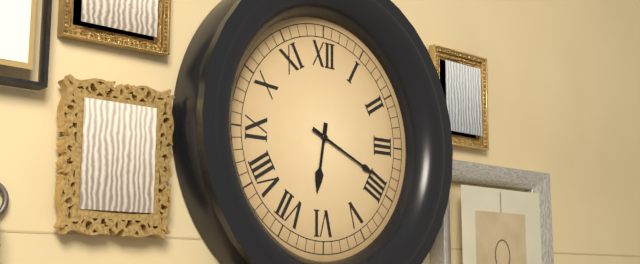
6:19
